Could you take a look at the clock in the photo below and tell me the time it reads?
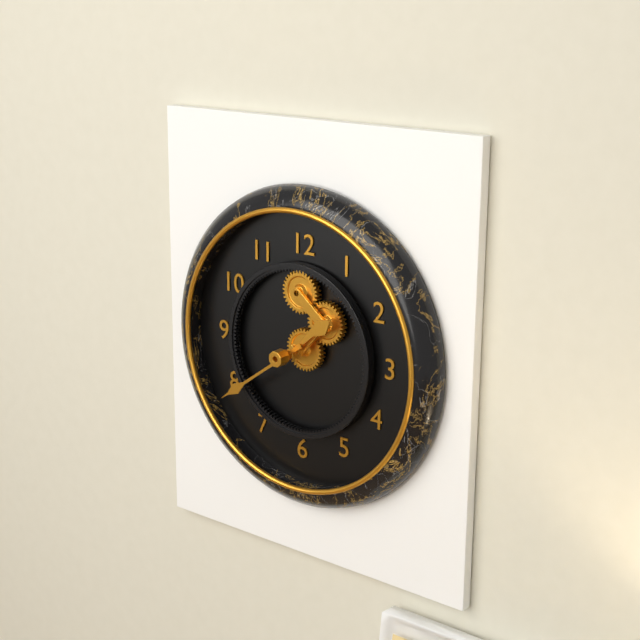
1:39
